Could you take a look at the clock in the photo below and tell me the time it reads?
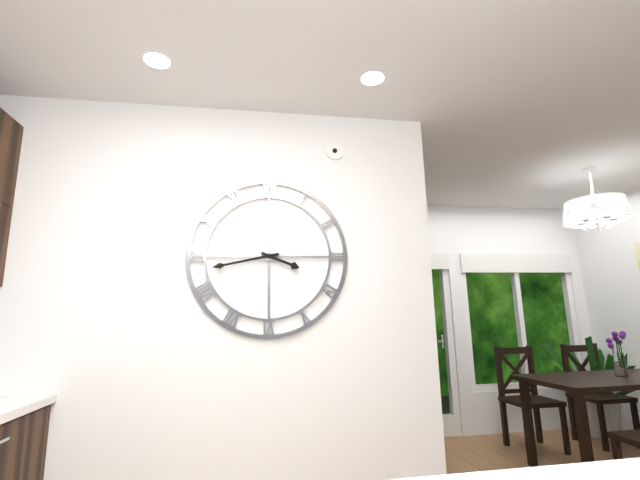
3:43
